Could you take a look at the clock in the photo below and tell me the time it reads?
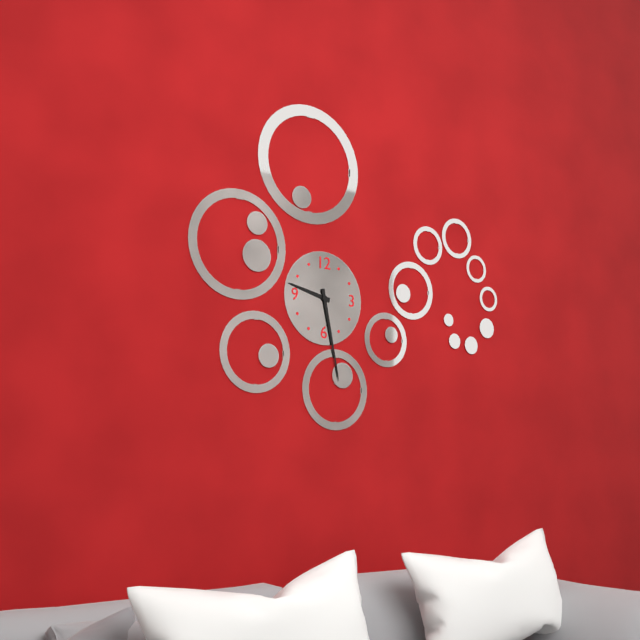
9:28
